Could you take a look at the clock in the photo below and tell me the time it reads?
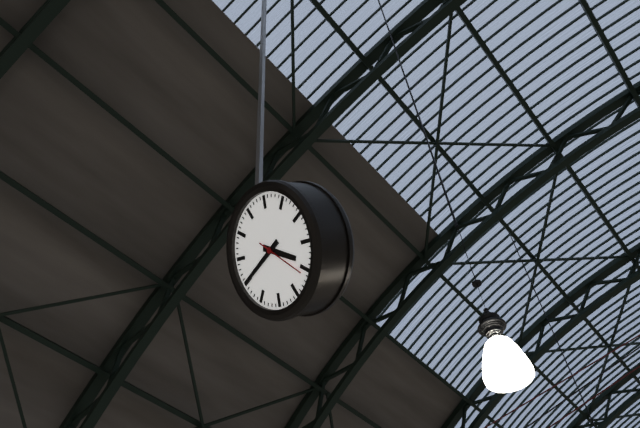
4:45
